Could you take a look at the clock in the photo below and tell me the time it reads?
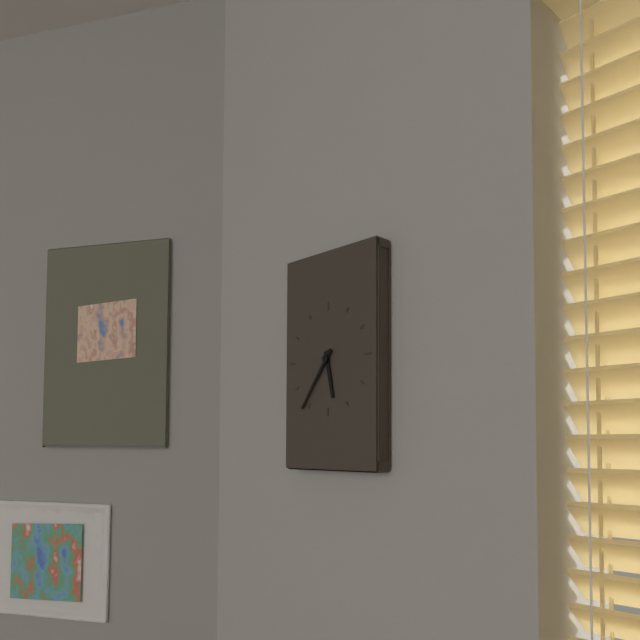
5:36
